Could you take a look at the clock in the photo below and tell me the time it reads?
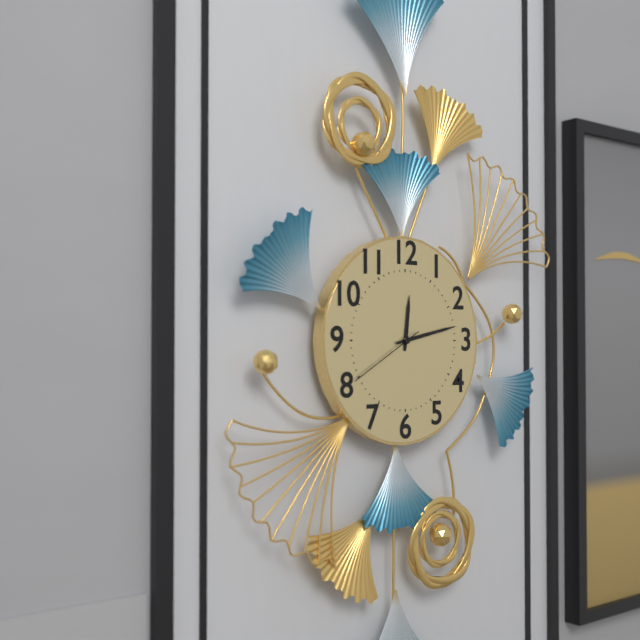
12:13:40
